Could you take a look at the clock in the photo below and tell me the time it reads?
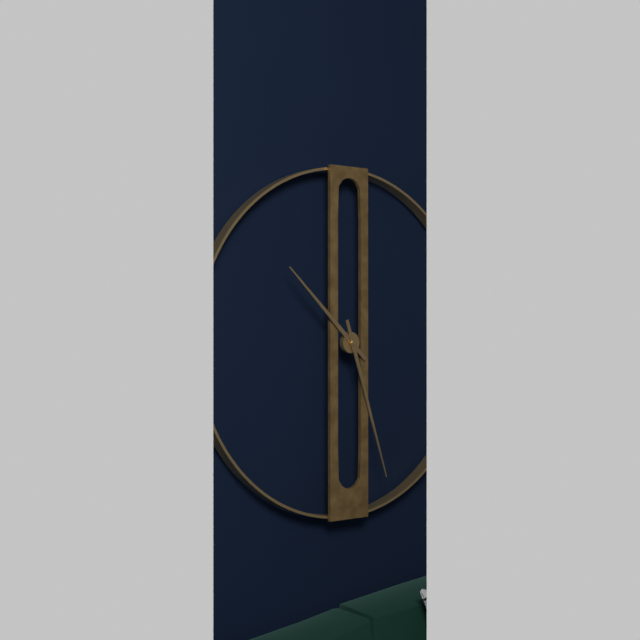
10:27
